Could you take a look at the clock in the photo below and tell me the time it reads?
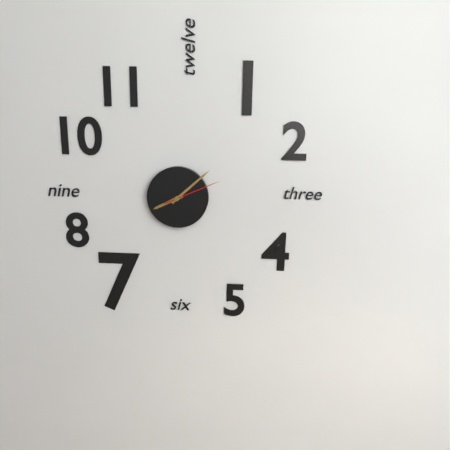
8:08:11
